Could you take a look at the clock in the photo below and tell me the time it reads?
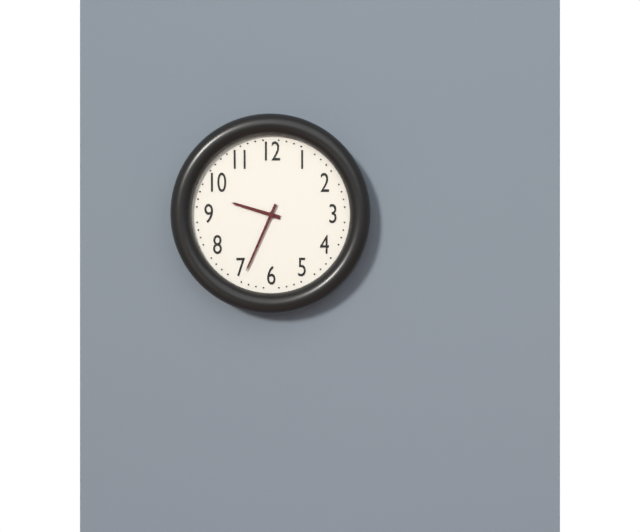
9:34
